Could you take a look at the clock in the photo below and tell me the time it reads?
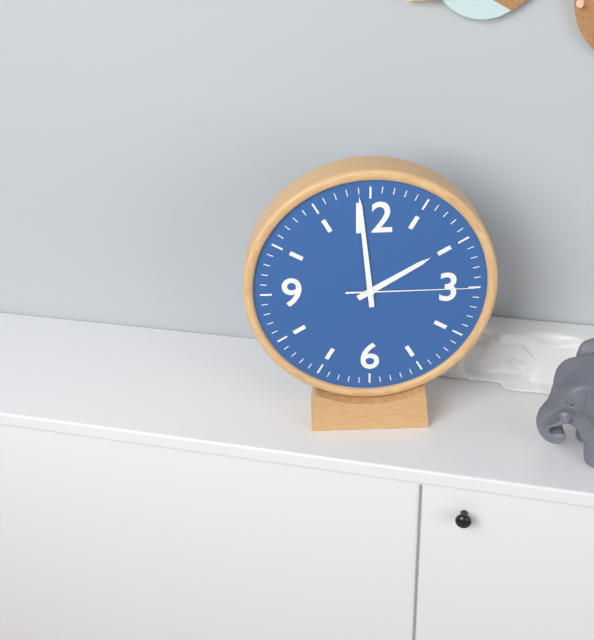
1:59:15
